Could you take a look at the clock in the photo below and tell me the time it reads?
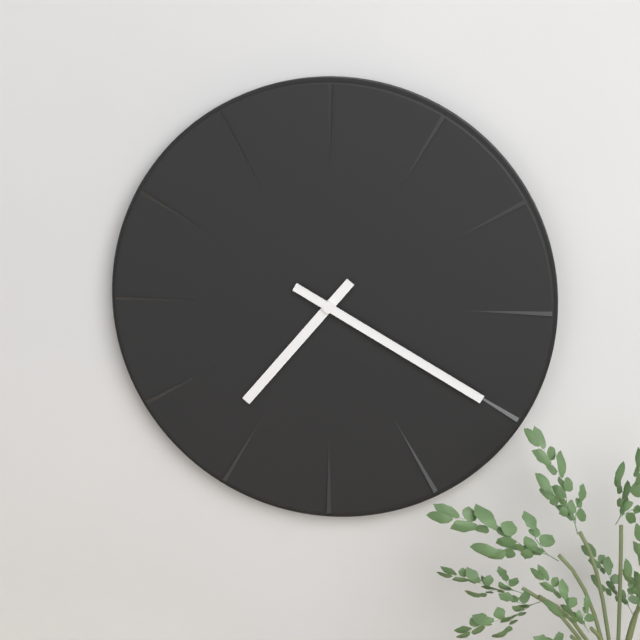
7:20
